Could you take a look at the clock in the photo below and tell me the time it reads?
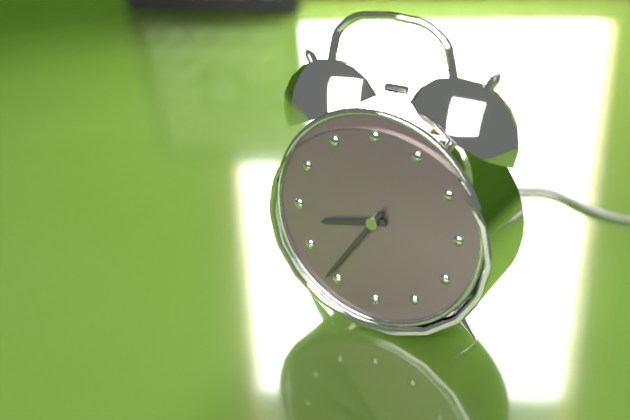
8:36
